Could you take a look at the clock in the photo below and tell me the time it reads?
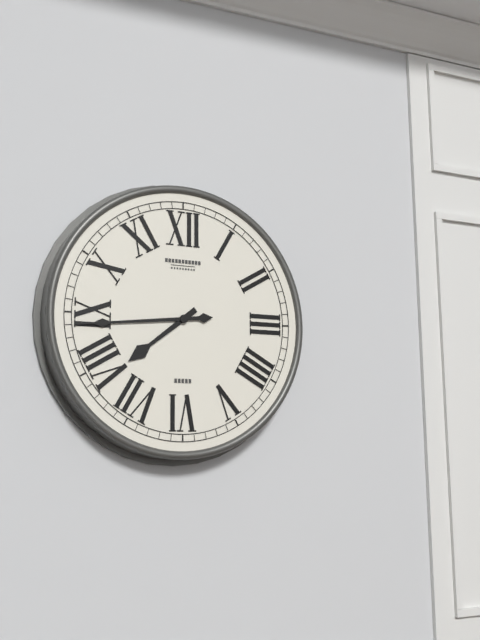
7:44
